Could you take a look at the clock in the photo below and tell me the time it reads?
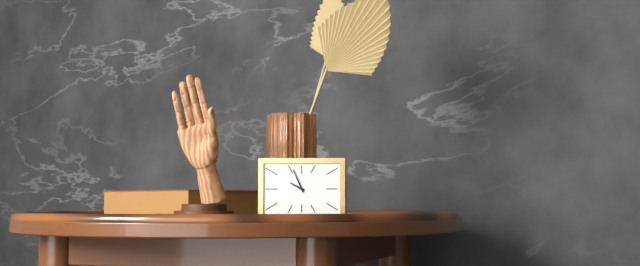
9:56
